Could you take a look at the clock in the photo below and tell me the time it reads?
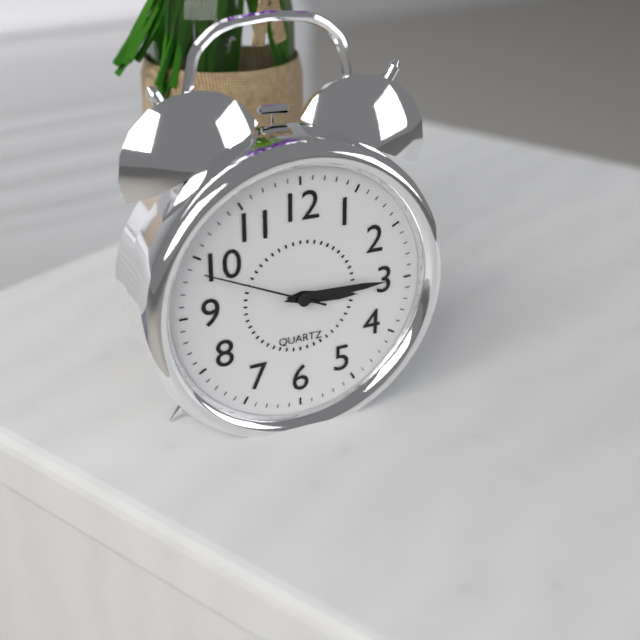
3:15:49
